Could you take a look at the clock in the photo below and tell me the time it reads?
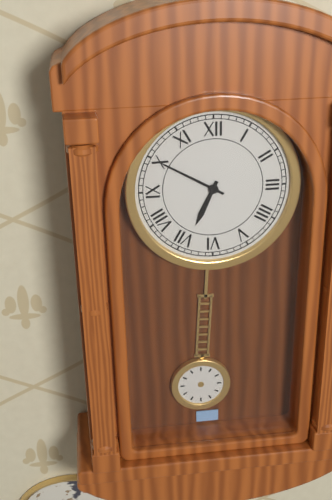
6:50
